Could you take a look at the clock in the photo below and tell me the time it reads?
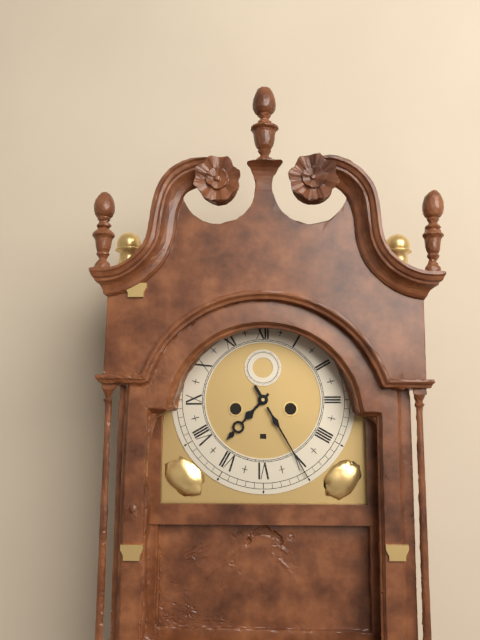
7:25
